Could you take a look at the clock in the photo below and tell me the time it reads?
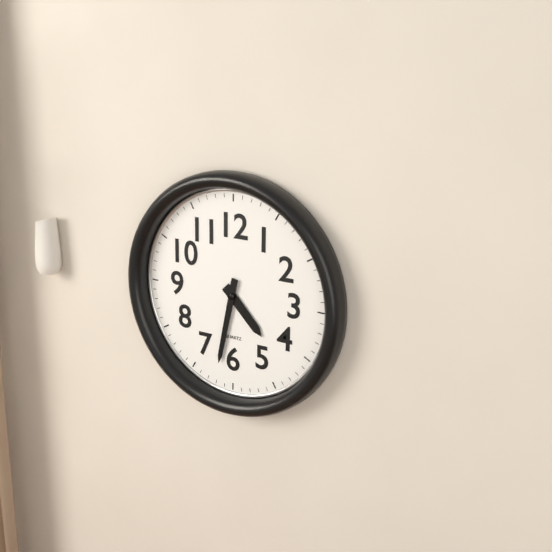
4:32
